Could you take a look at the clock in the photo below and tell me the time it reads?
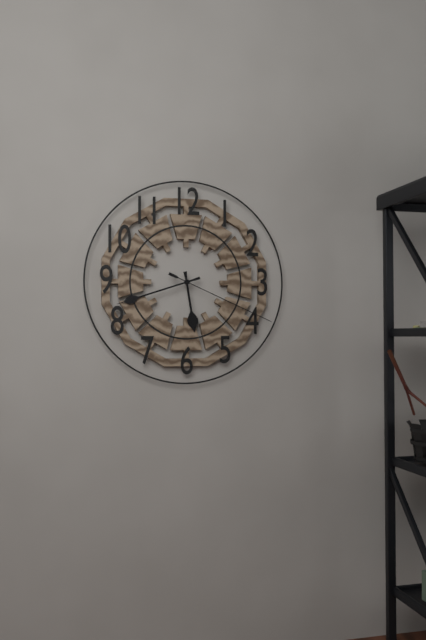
5:42:19
